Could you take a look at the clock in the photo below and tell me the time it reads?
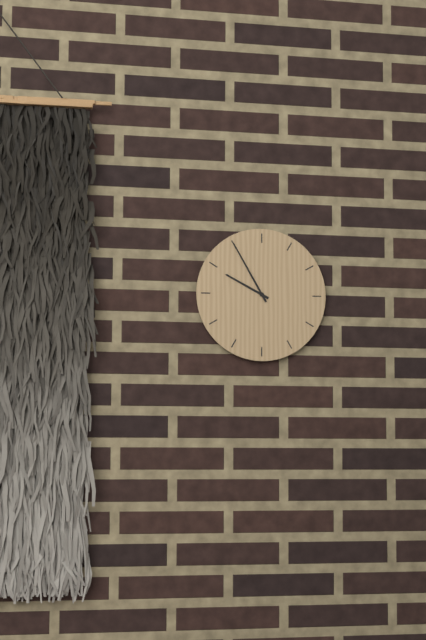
9:55
